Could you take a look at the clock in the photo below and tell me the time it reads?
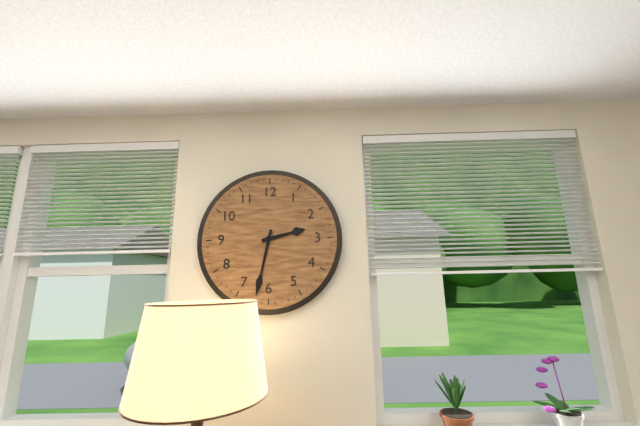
2:32
